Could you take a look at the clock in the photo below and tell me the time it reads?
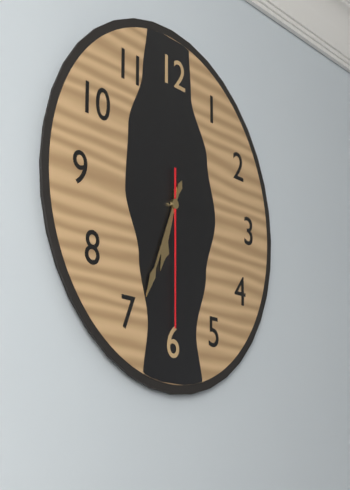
6:34:30
